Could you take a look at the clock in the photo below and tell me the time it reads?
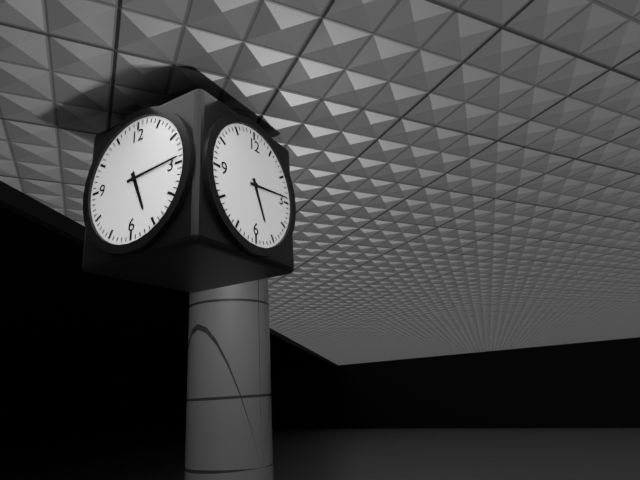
5:14
